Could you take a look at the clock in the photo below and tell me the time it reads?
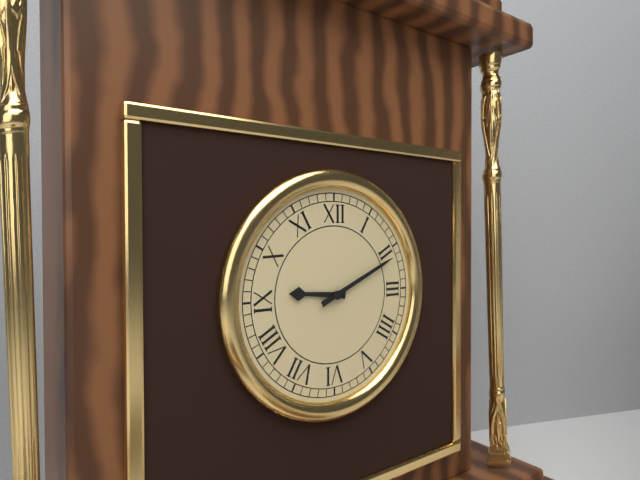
9:11
